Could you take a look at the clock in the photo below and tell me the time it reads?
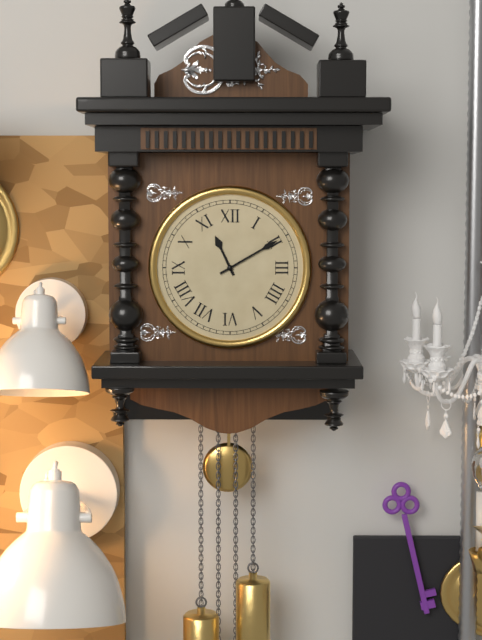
11:10
